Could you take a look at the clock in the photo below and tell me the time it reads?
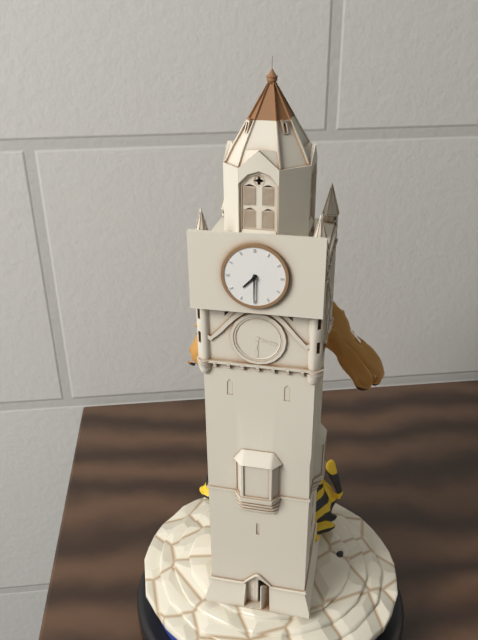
7:30
